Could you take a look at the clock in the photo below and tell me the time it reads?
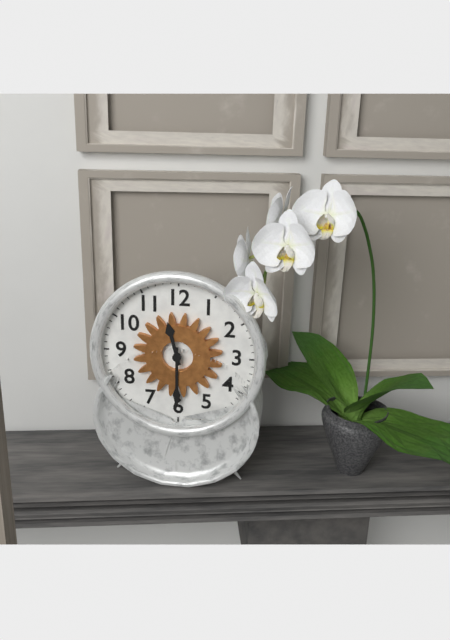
11:30
